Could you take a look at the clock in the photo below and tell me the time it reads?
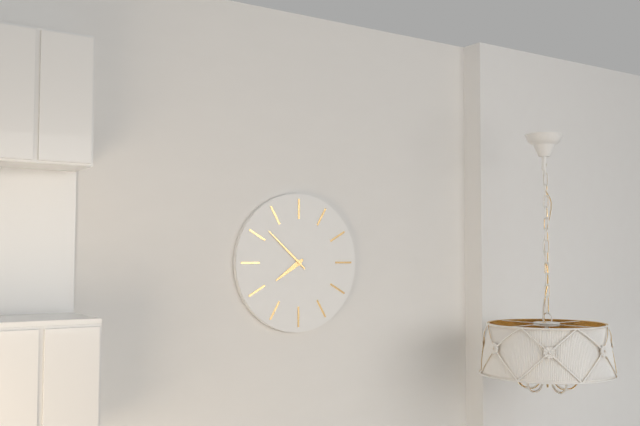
7:52
